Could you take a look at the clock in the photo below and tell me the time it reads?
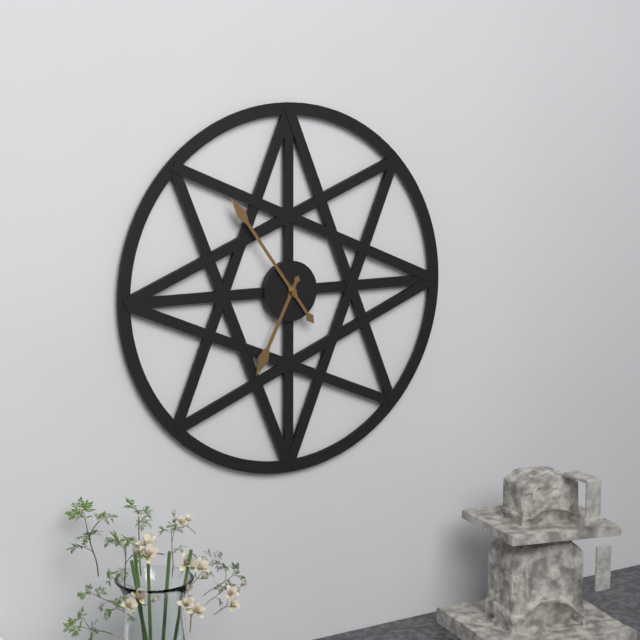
6:54
